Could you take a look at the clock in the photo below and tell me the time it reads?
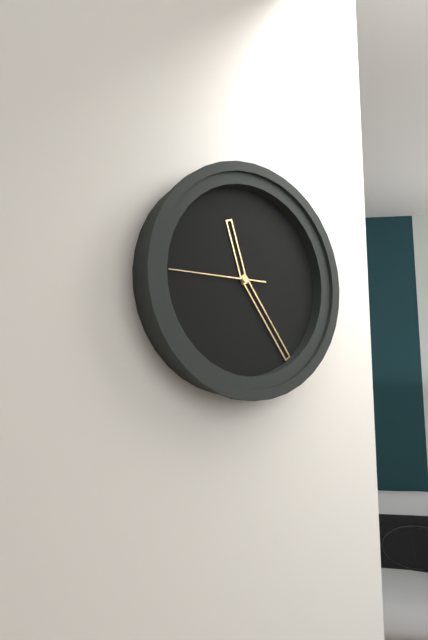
11:24:45
